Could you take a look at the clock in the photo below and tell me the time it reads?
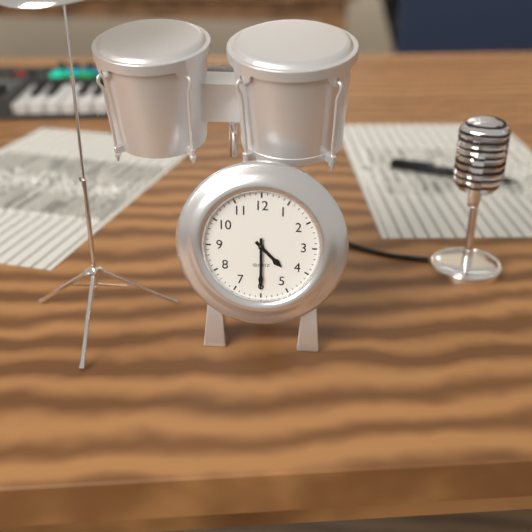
4:30
